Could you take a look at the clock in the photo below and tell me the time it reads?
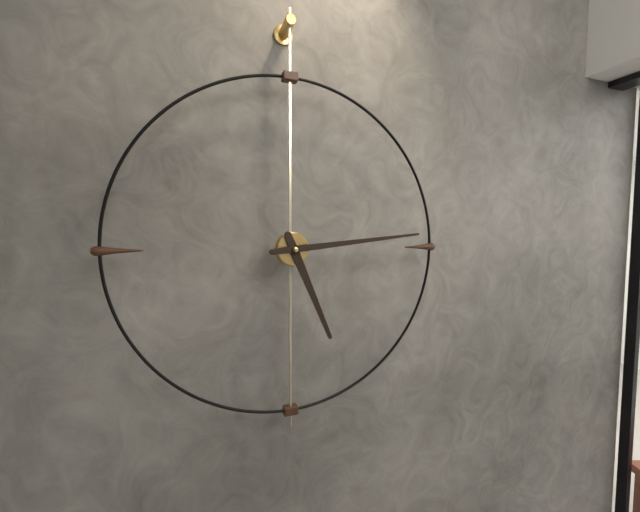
5:14
